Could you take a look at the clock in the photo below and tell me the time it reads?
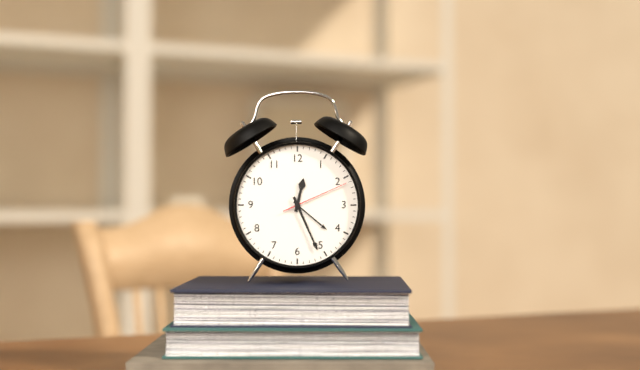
12:26:11
